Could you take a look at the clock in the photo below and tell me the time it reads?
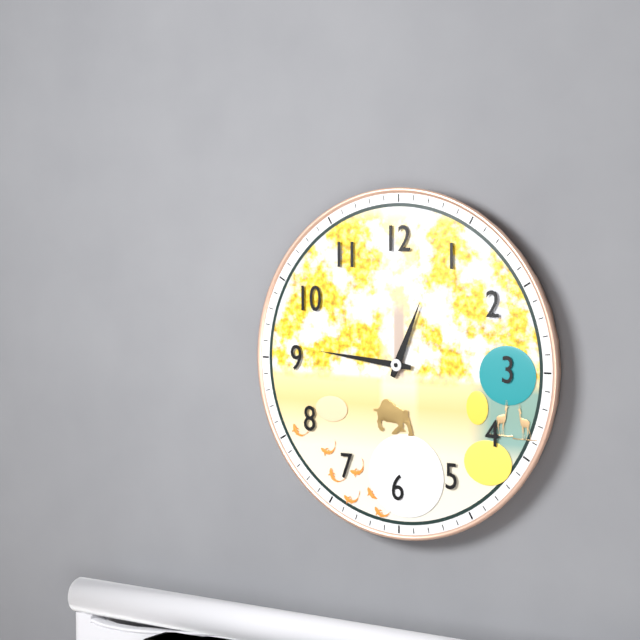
12:46
